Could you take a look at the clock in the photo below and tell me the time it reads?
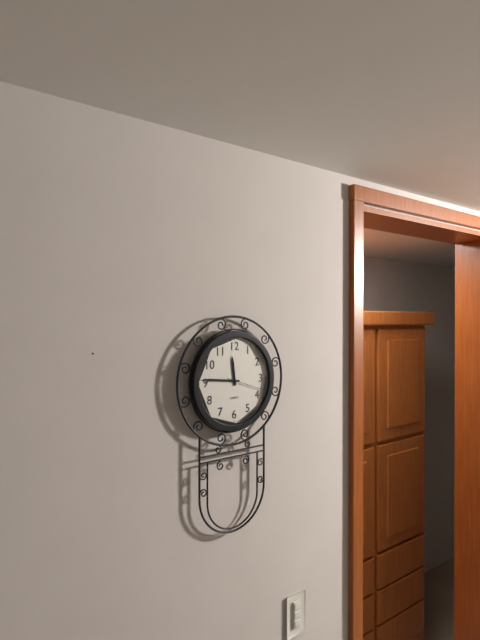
11:46
